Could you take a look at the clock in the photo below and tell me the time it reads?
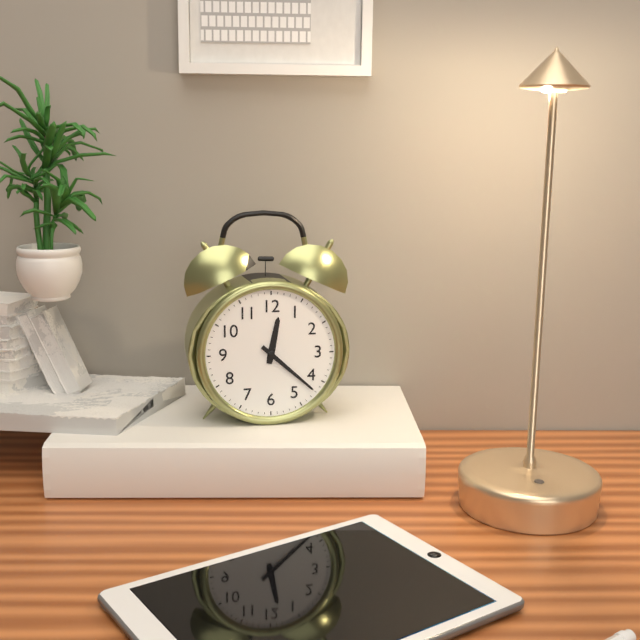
12:22
